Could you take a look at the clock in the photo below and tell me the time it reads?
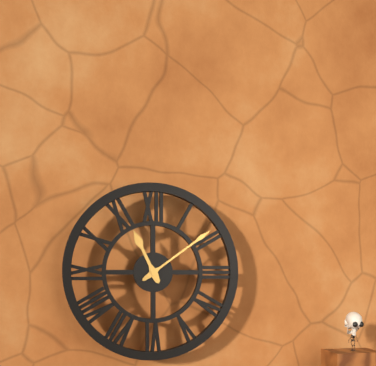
11:09
